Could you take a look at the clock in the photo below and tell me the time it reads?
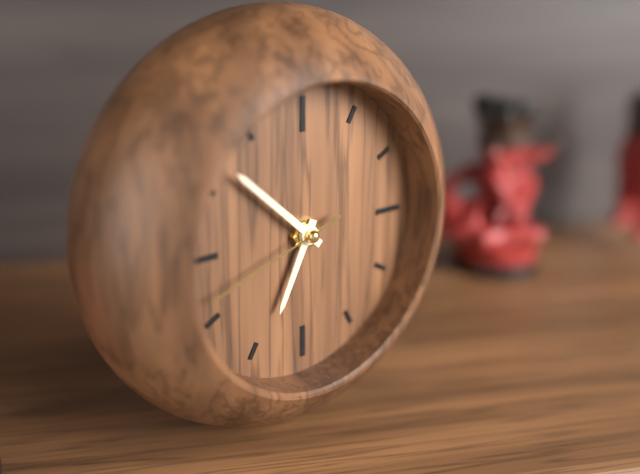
6:52:42
